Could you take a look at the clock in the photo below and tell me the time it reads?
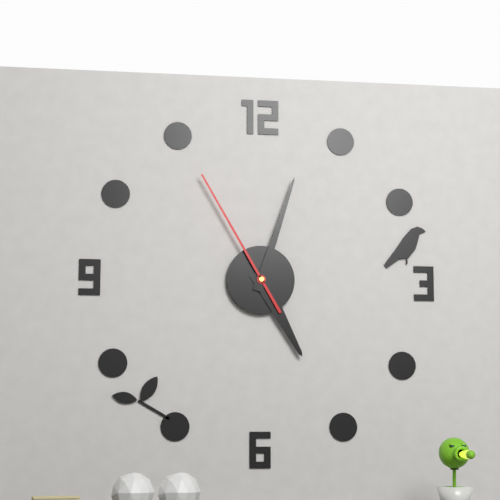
5:03:55
